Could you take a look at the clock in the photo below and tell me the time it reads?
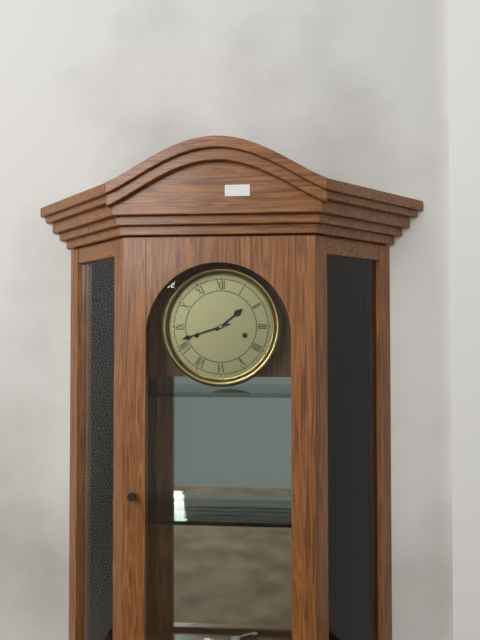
1:42
